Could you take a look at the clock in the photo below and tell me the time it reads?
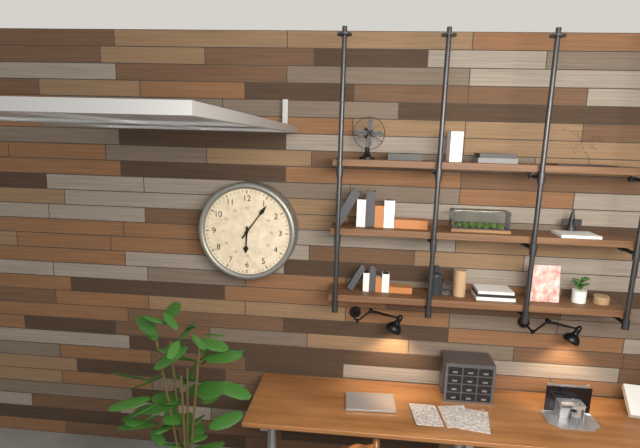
6:06
